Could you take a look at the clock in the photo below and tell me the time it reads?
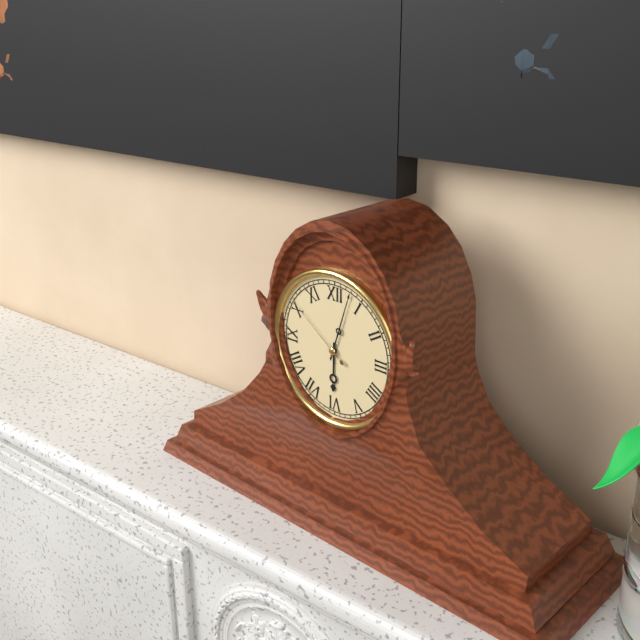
6:03:51
